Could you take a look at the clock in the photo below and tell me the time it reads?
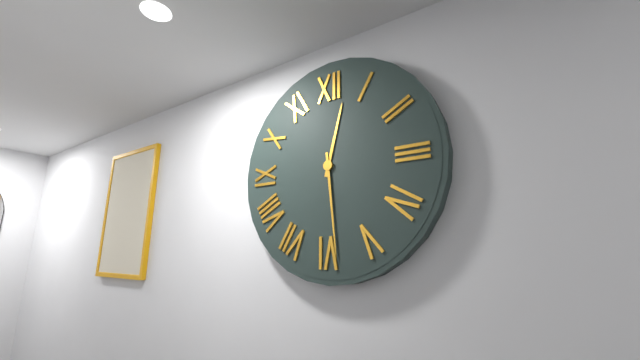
12:29
